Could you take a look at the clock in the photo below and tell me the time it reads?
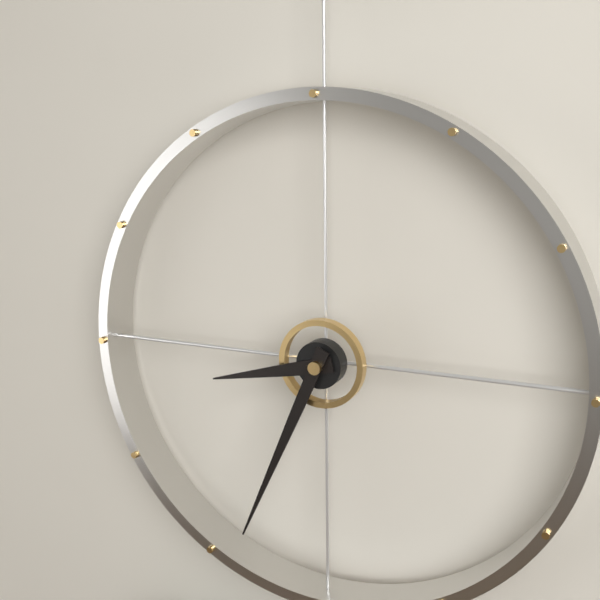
8:34
